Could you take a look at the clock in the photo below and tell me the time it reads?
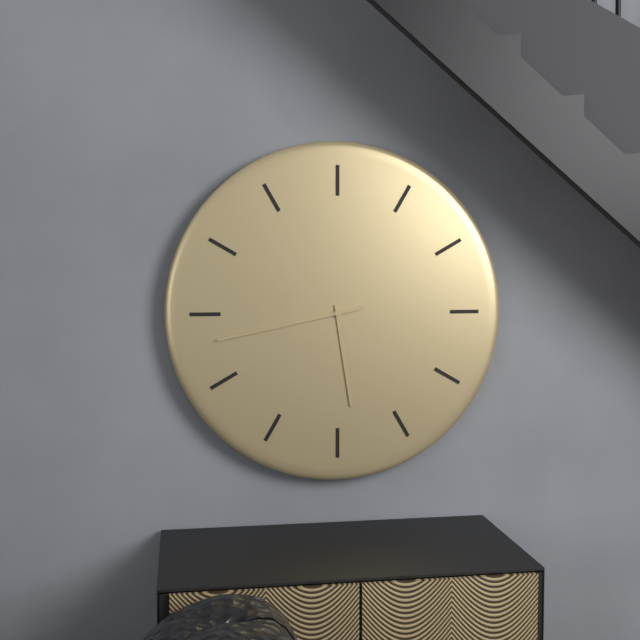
5:43
